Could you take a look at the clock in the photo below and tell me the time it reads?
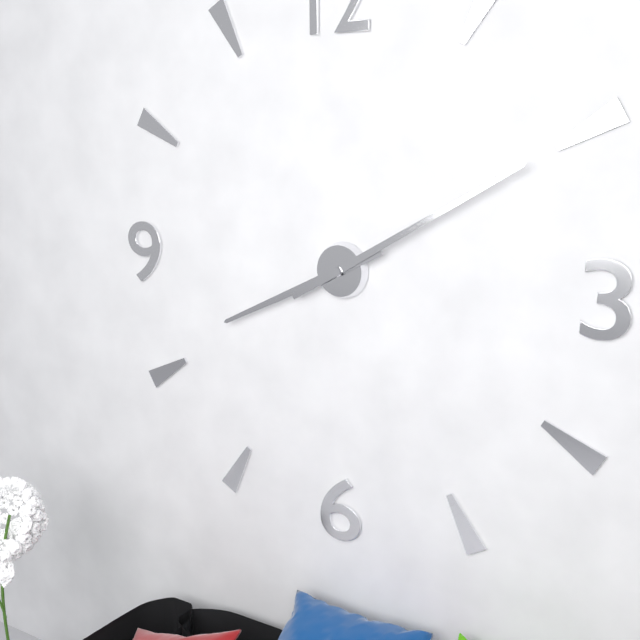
8:10
